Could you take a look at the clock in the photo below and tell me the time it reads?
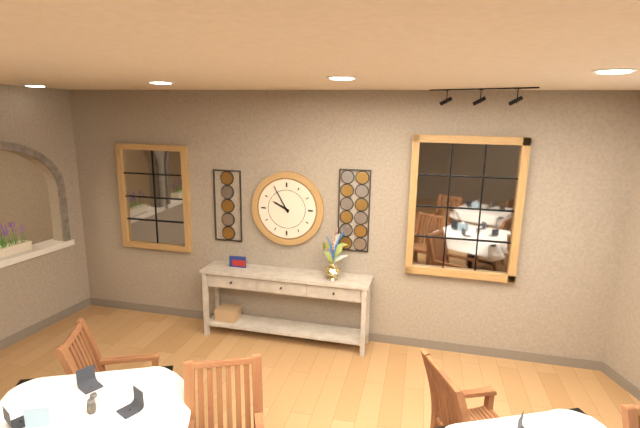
9:55
